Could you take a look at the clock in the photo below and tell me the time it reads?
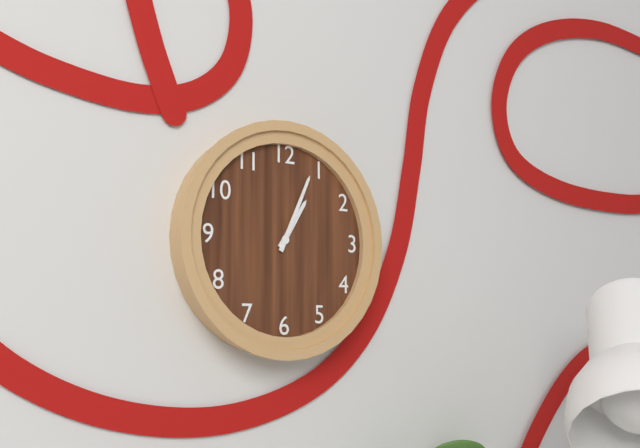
1:04
